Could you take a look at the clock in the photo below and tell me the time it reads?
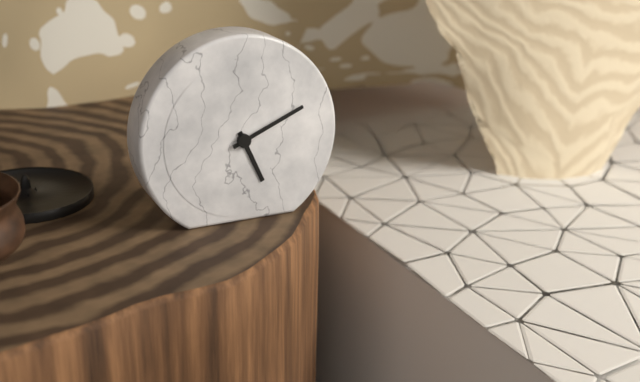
5:11
